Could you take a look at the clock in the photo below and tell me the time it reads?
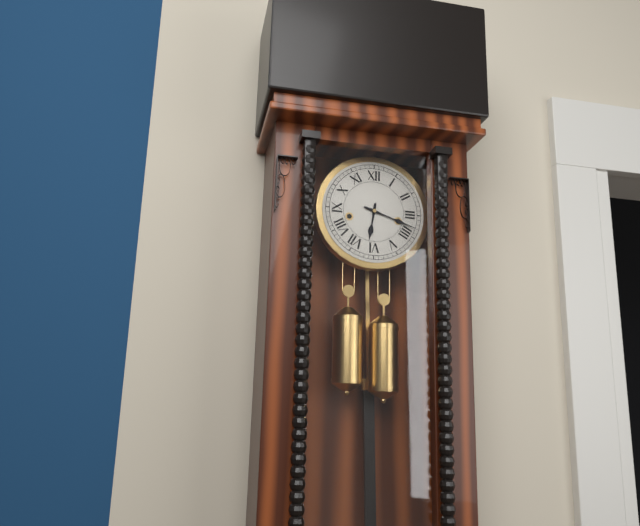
6:18
